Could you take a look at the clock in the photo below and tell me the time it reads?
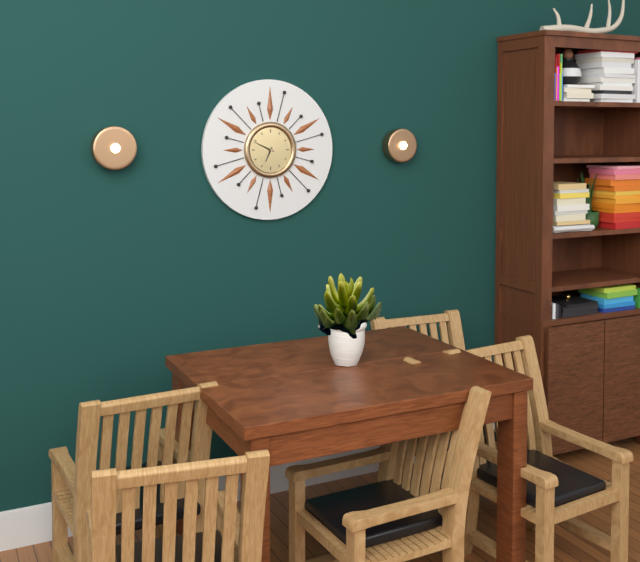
6:49
